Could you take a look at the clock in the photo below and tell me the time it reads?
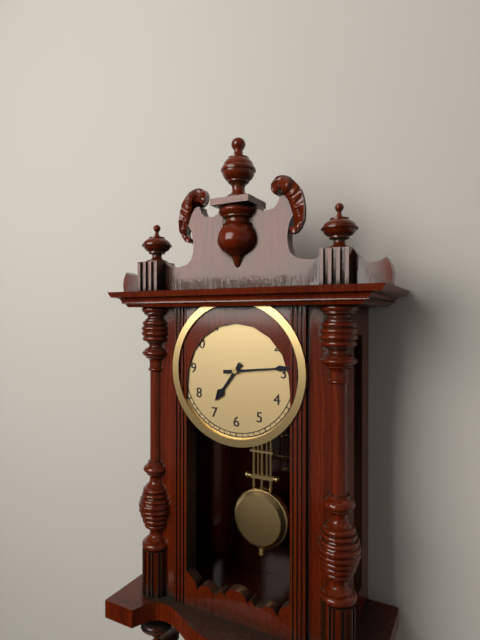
7:14
